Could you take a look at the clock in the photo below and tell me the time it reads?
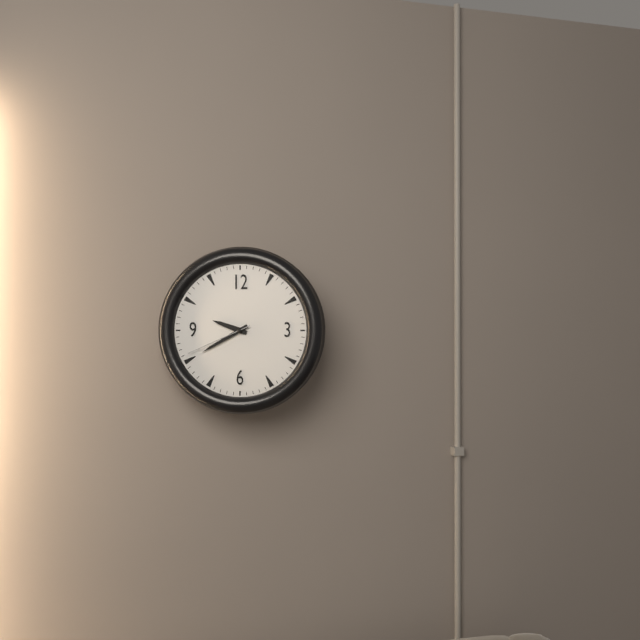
9:40:41
